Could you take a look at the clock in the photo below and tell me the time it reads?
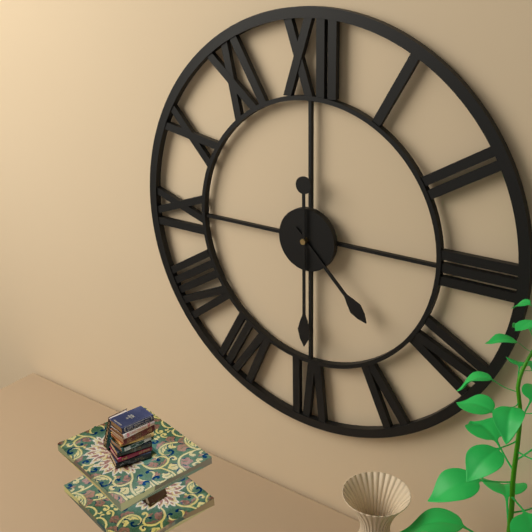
4:30
